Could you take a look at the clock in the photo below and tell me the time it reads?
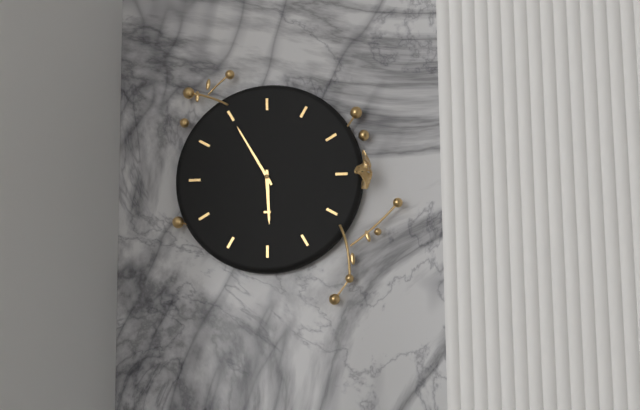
5:55
